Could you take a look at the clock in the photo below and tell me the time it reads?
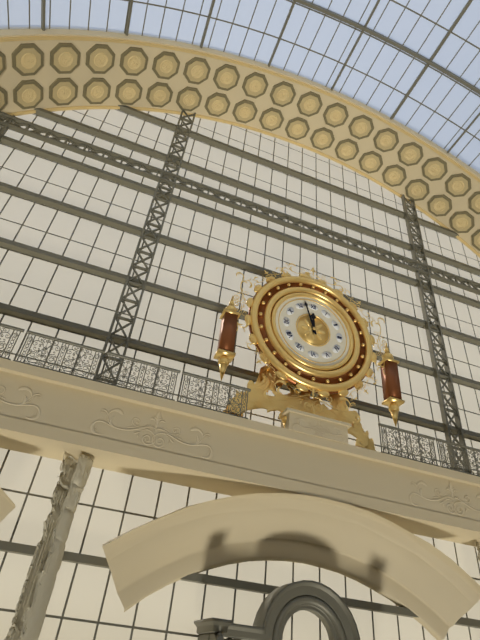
11:57
